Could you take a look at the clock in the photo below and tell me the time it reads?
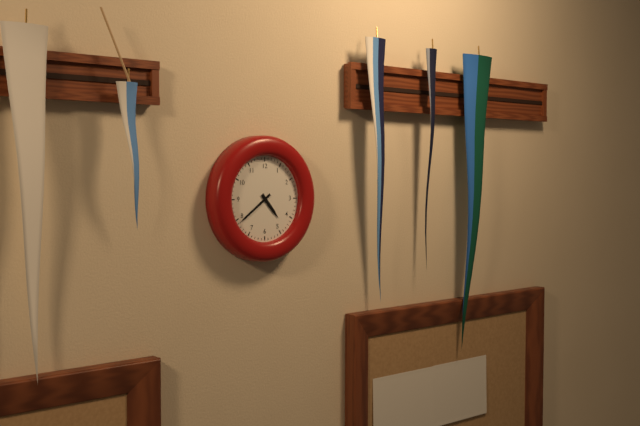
4:39
